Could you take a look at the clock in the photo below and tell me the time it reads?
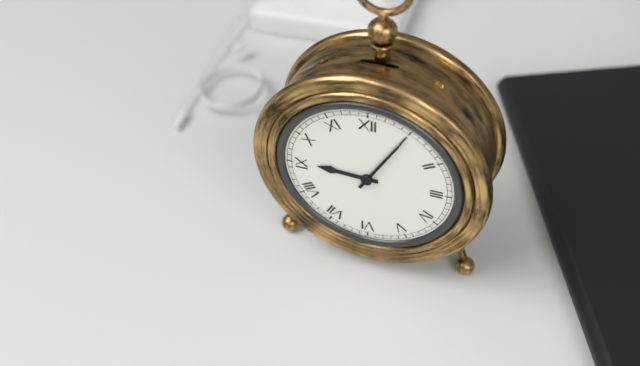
9:05
